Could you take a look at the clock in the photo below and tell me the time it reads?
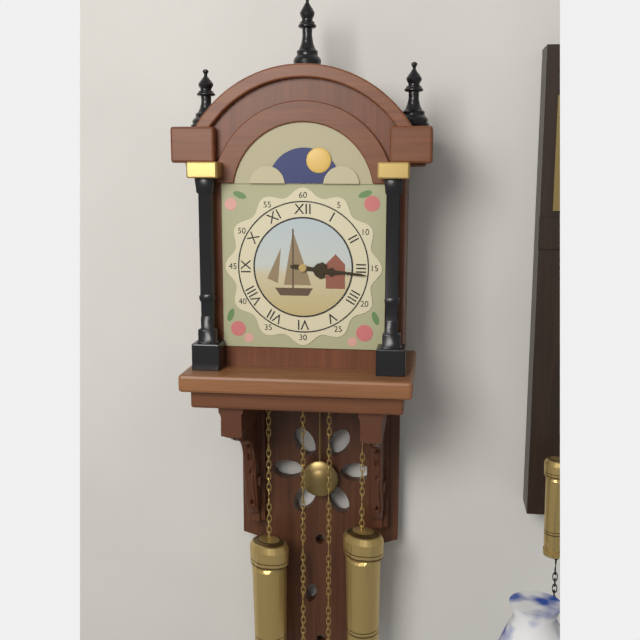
3:16
